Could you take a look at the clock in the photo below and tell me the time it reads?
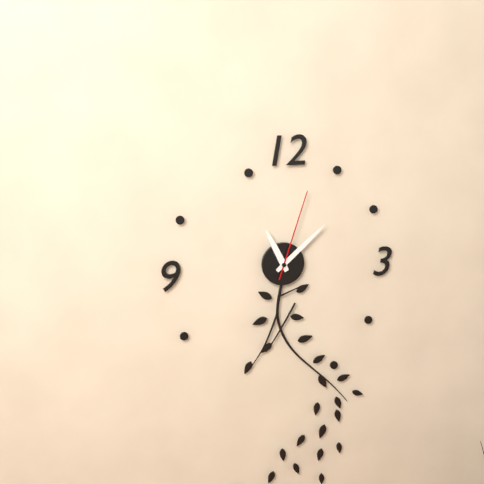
11:08:03
